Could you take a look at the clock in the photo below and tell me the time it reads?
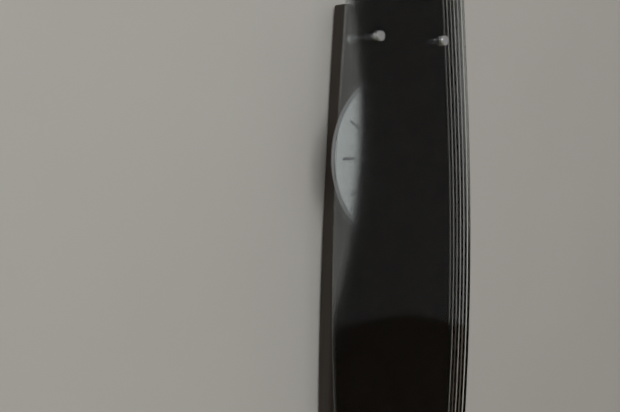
12:25
